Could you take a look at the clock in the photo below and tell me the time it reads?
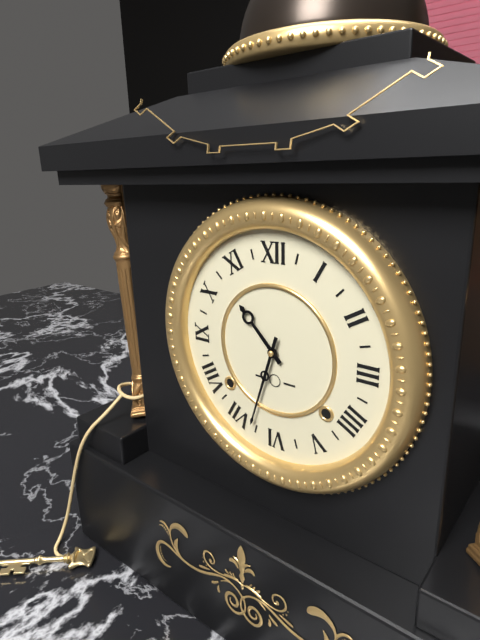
10:33
